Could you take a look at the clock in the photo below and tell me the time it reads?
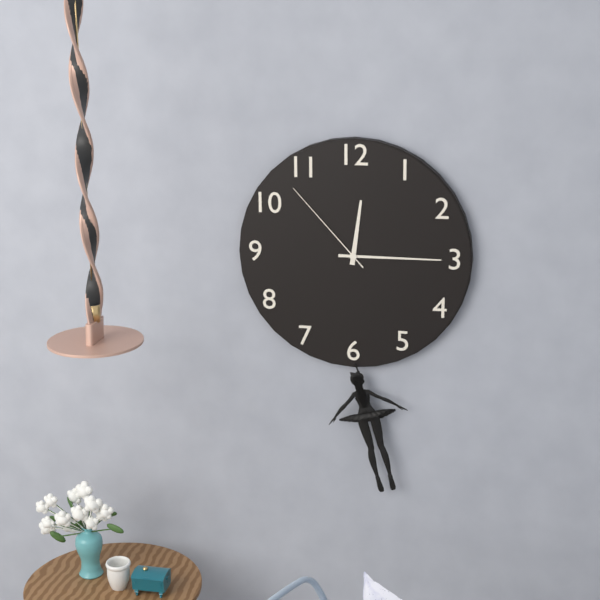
12:15:53
